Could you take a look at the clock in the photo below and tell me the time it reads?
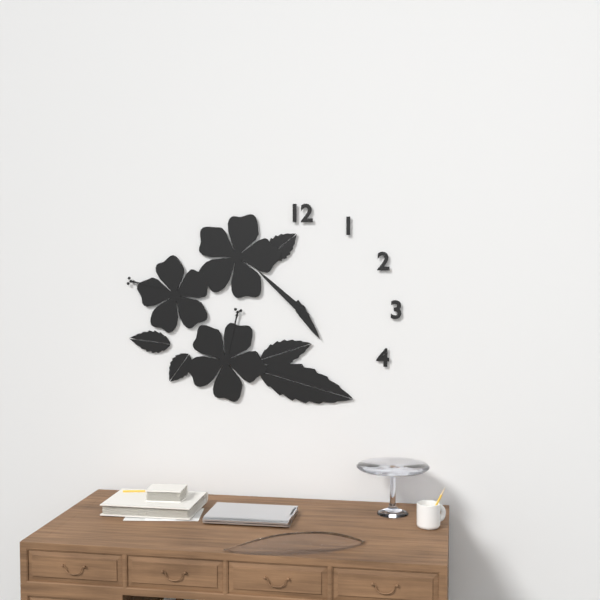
4:52
